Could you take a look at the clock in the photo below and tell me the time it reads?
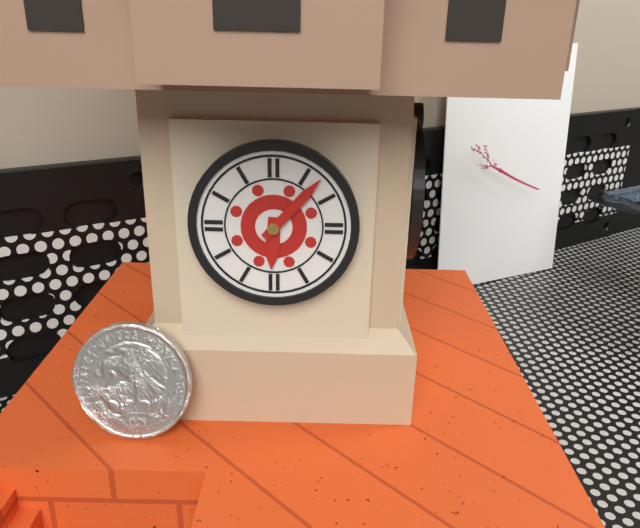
6:07
